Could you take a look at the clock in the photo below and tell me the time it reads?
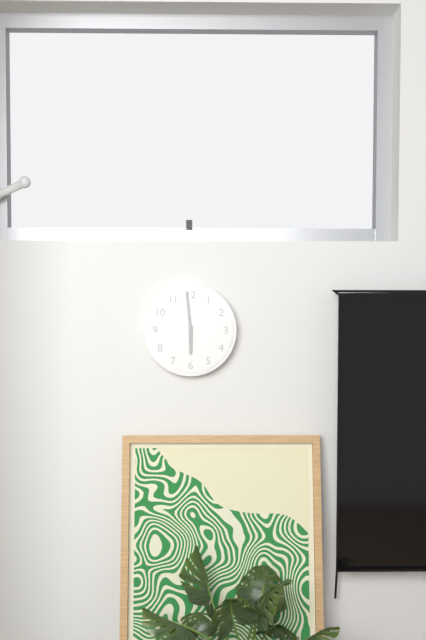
5:59
